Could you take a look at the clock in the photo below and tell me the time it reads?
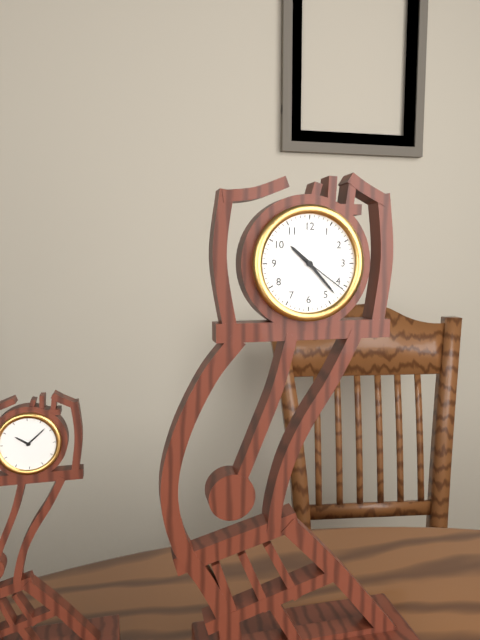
10:23:21
